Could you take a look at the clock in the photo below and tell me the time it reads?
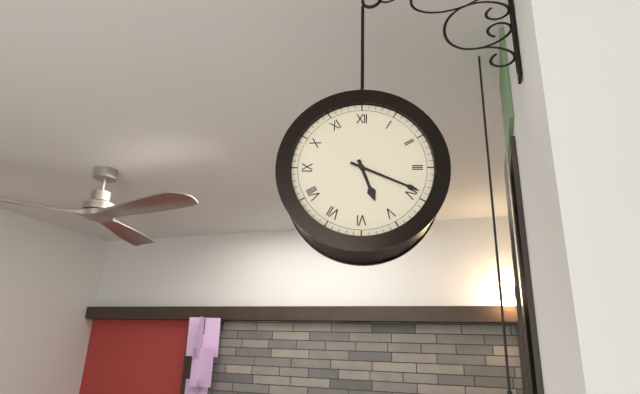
5:19
